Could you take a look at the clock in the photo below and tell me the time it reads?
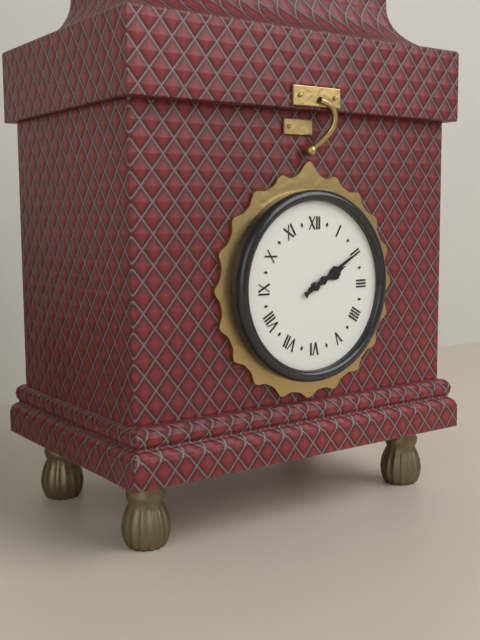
2:10
